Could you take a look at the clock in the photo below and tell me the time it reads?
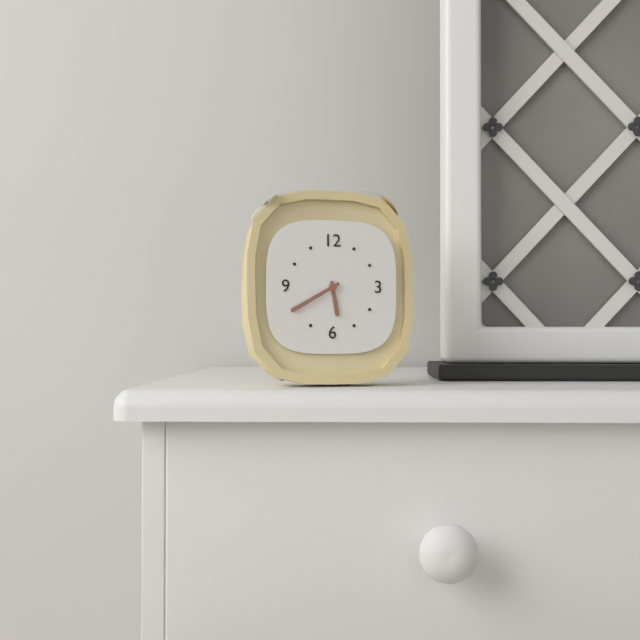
5:40
